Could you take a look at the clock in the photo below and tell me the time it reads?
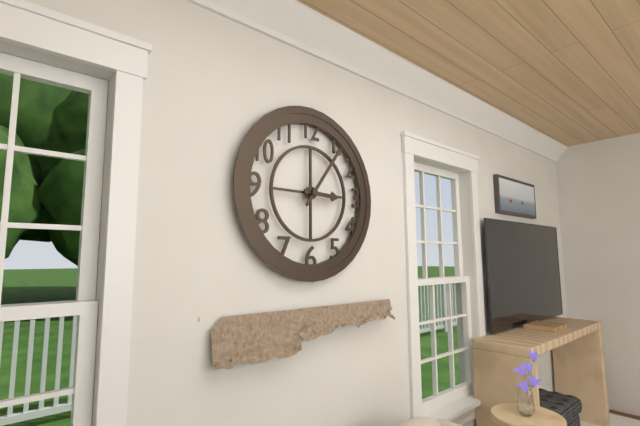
3:06
